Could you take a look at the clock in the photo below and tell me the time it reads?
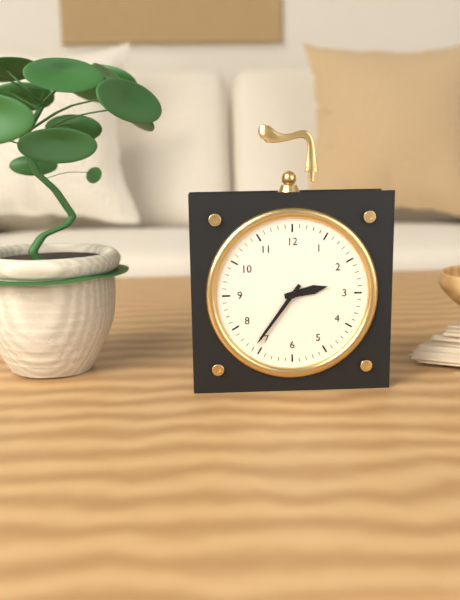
2:36
